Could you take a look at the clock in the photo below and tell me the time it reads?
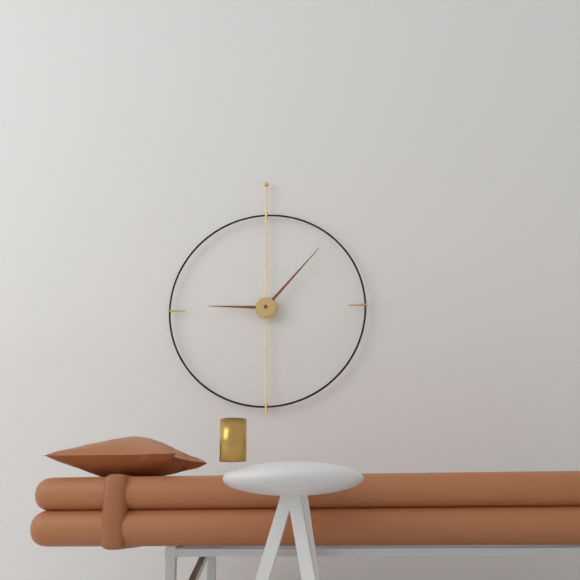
9:07
